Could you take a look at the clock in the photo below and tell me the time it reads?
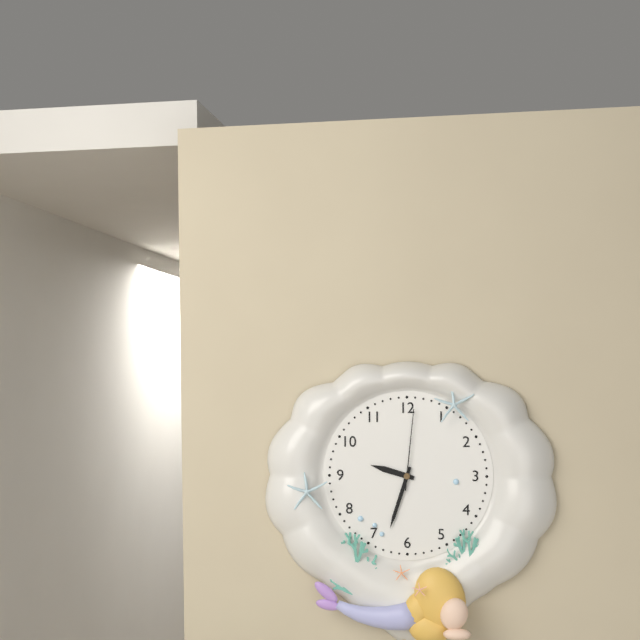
9:33:01
